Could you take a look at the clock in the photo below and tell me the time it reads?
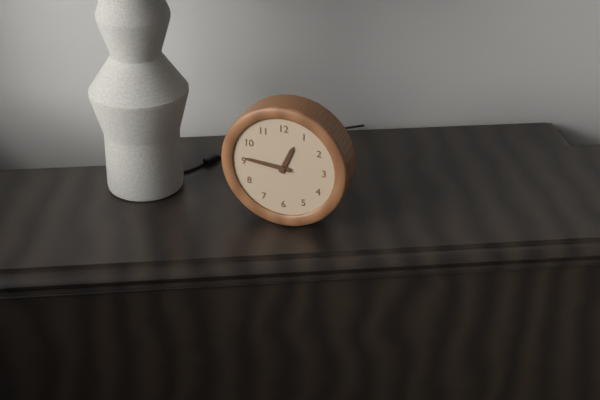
12:46
